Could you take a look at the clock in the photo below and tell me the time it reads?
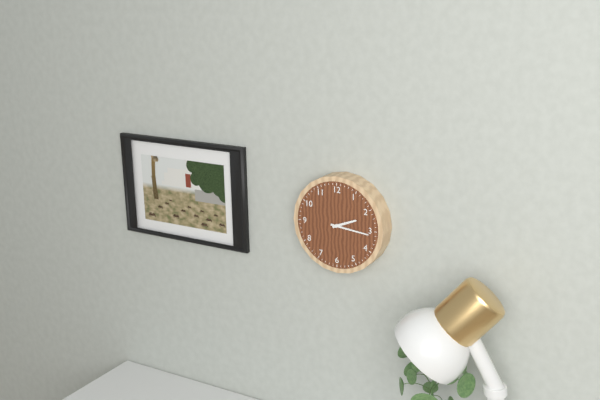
2:16
